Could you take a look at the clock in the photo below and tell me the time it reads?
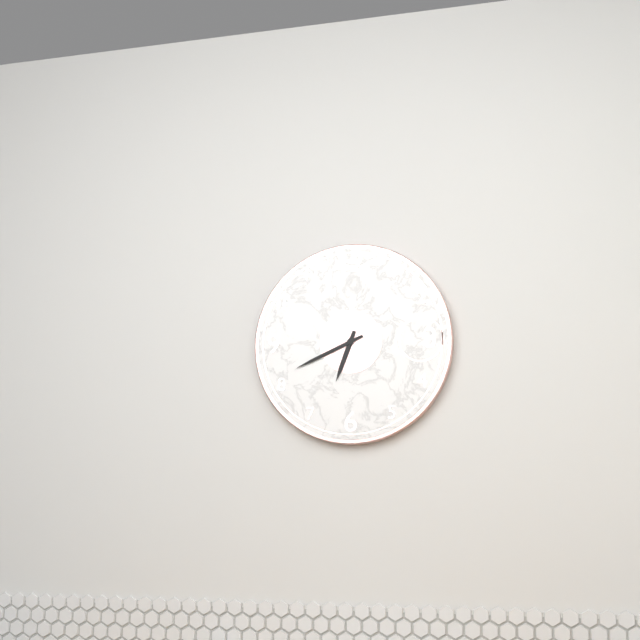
6:41
